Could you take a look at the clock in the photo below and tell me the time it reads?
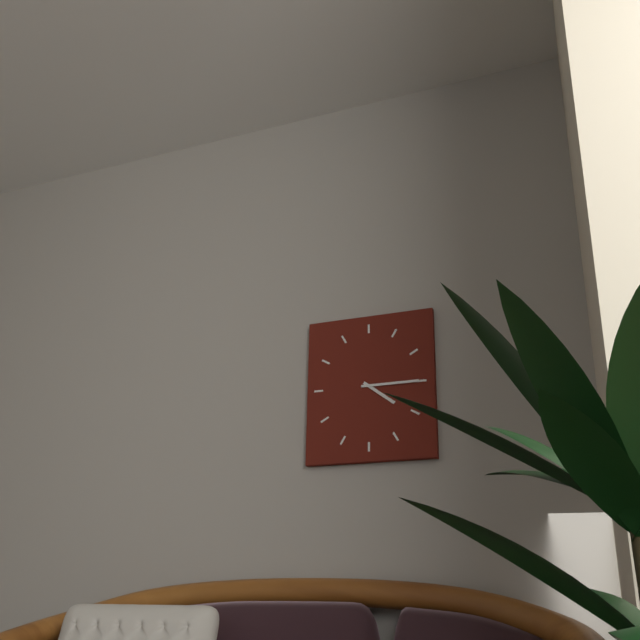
4:15
